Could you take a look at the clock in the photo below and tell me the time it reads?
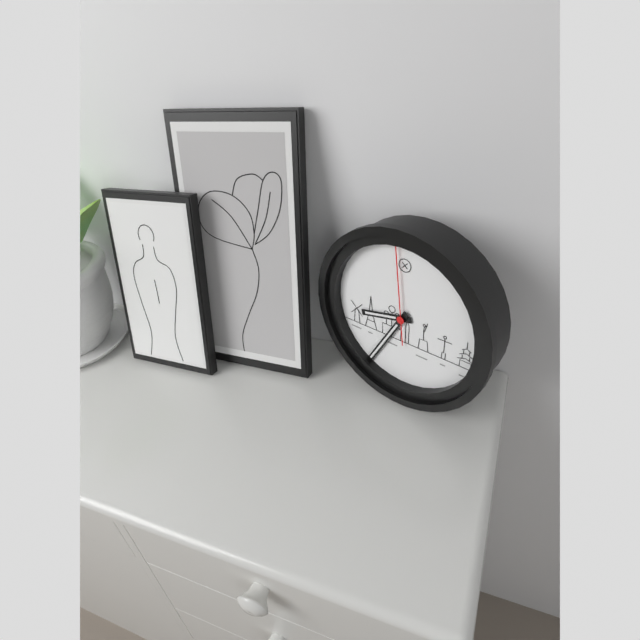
8:35:59
